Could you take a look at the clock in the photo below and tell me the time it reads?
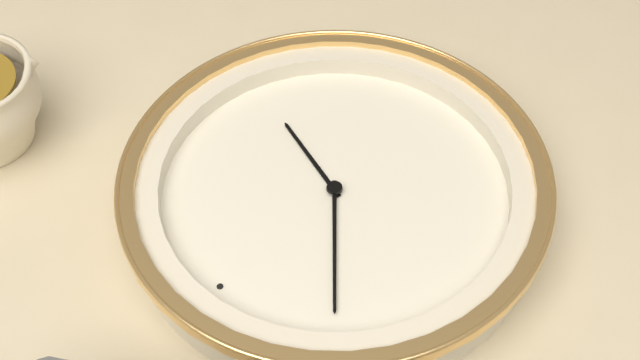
2:49
